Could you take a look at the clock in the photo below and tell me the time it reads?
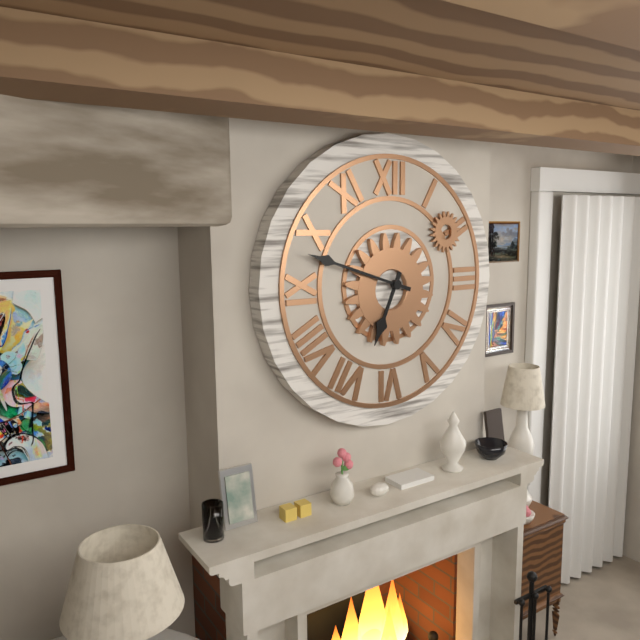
6:48
